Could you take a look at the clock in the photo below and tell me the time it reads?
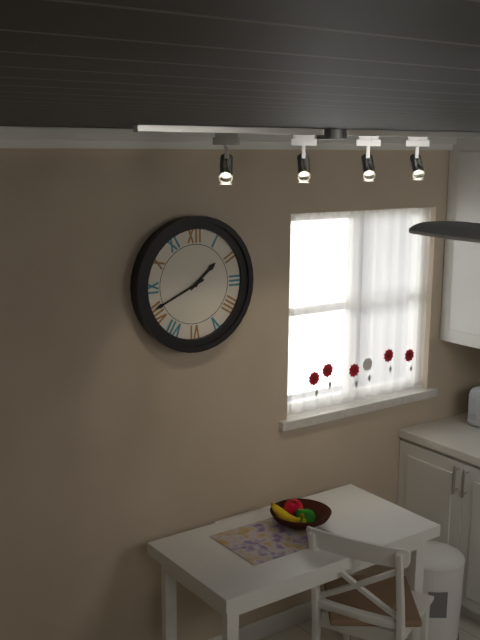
1:41
